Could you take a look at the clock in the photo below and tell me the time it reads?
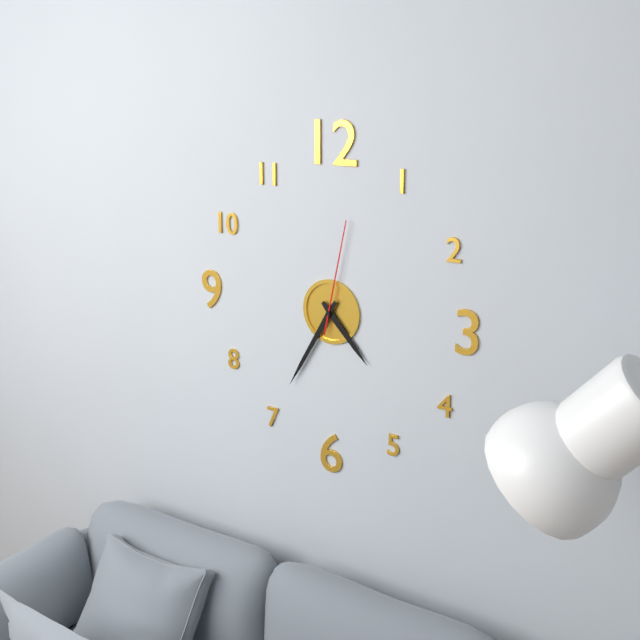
4:35:02
